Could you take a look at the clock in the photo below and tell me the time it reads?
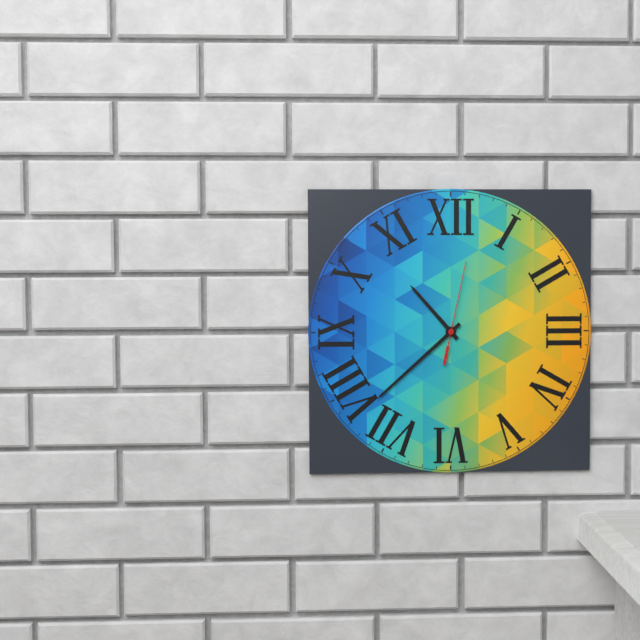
10:38:02
